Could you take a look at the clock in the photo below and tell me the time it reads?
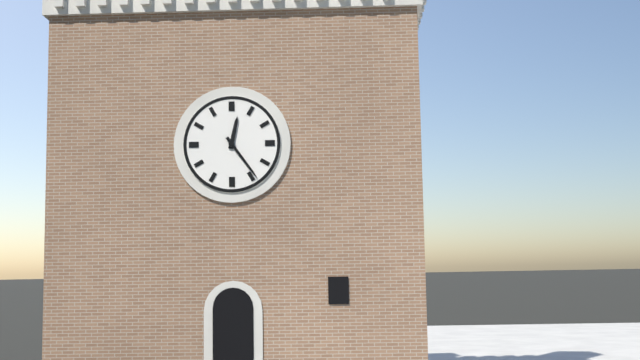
12:24
